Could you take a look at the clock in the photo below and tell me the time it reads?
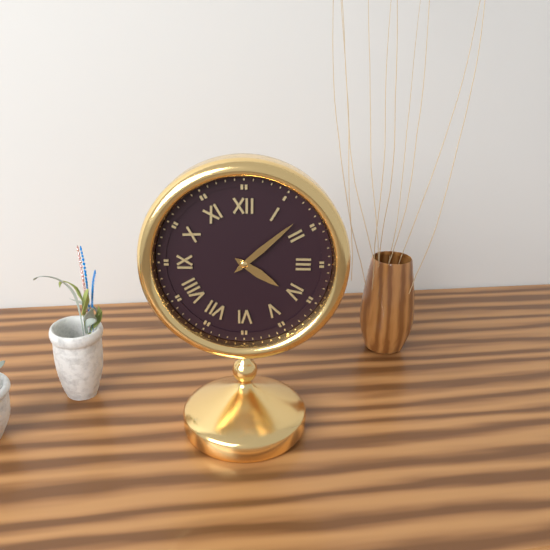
4:08
